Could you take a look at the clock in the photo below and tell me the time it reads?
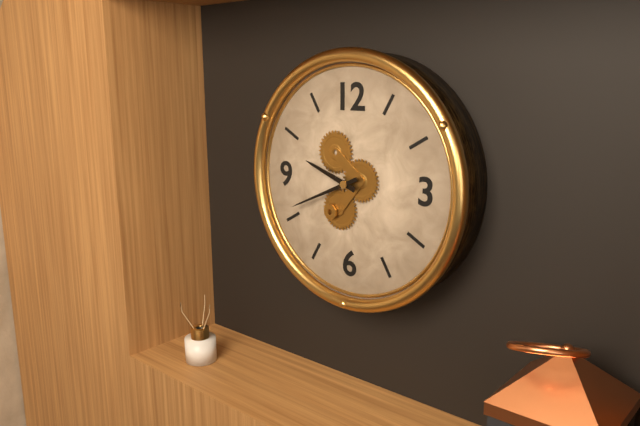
9:41
